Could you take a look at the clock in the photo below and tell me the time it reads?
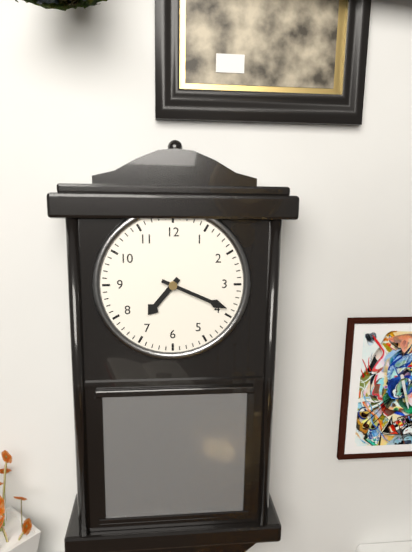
7:19
